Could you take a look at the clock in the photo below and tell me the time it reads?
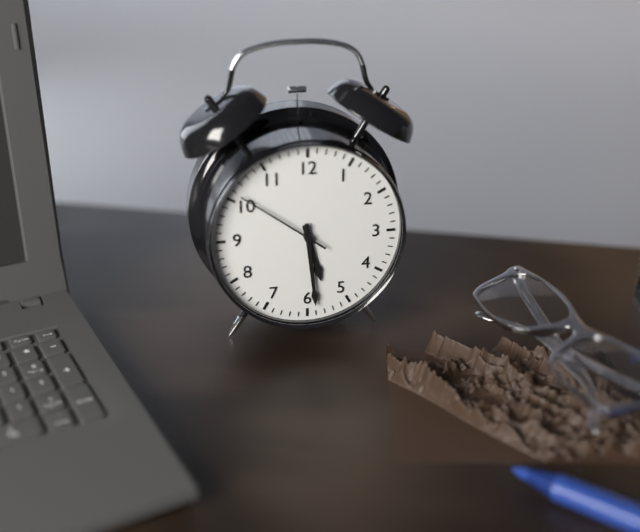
5:29:51
